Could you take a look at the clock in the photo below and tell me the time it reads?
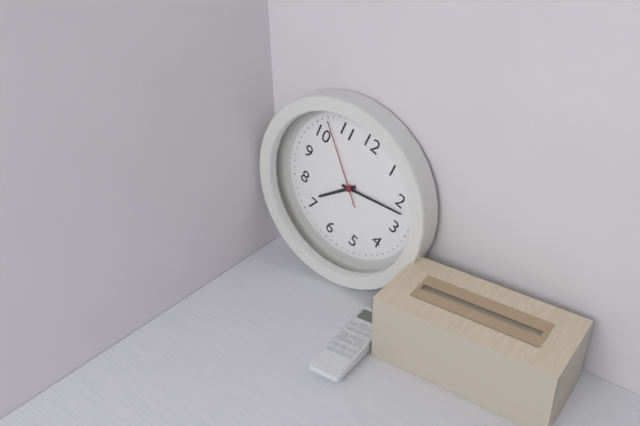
7:12:52
